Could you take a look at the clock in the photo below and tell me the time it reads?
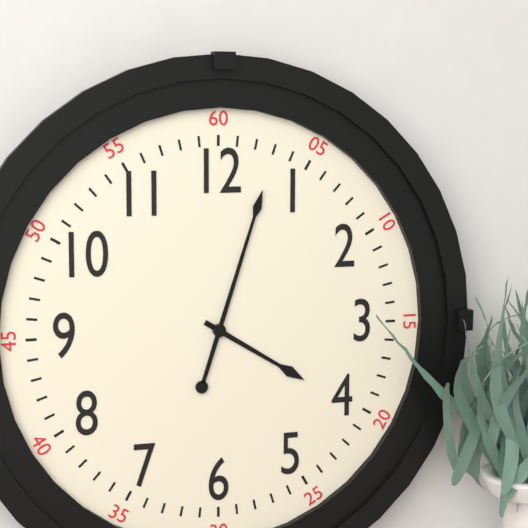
4:03
